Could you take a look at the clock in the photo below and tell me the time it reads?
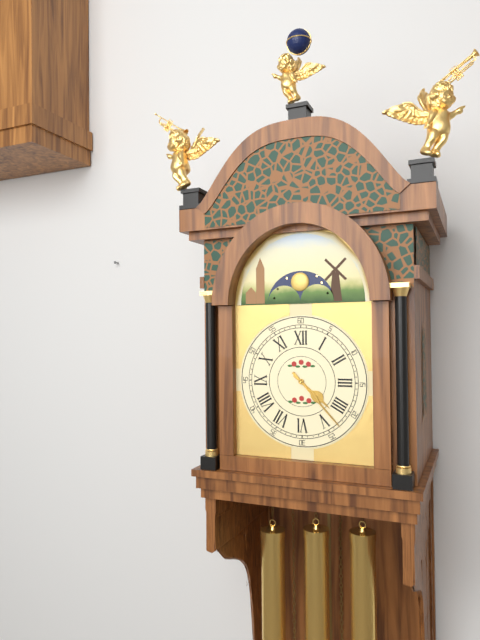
4:23
